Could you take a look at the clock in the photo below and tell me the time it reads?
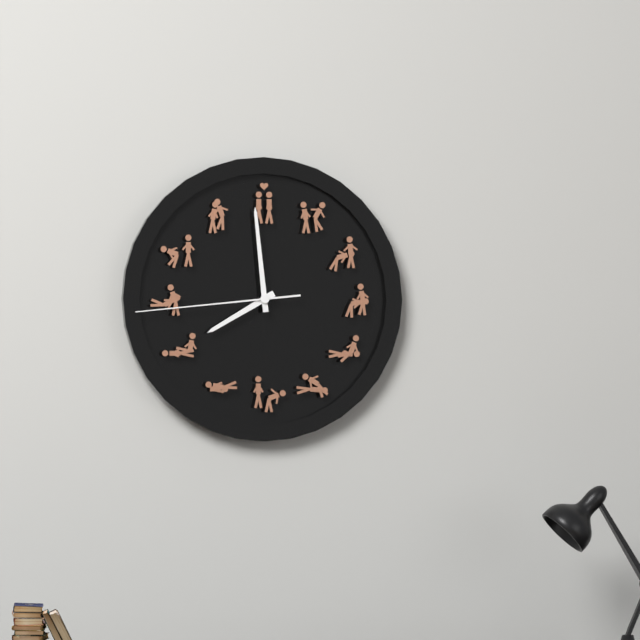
7:59:44
